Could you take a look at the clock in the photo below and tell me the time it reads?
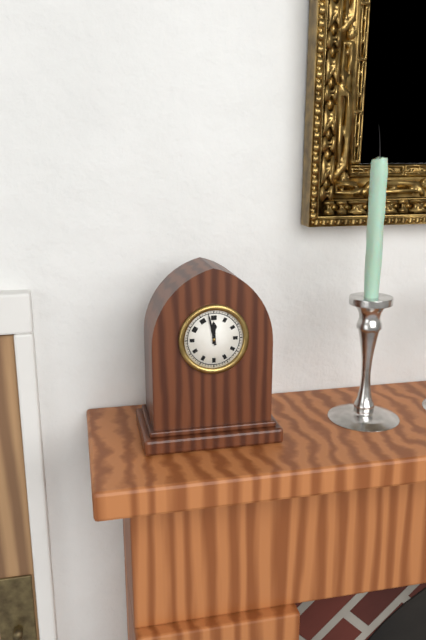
11:58
